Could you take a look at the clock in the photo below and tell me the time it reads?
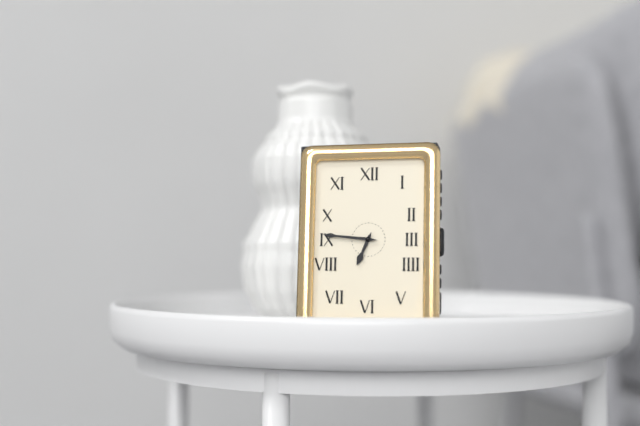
6:46
